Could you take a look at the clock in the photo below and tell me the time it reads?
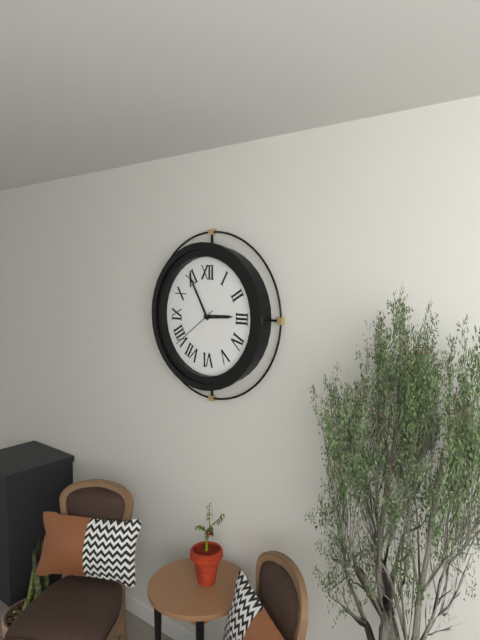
2:55:39
